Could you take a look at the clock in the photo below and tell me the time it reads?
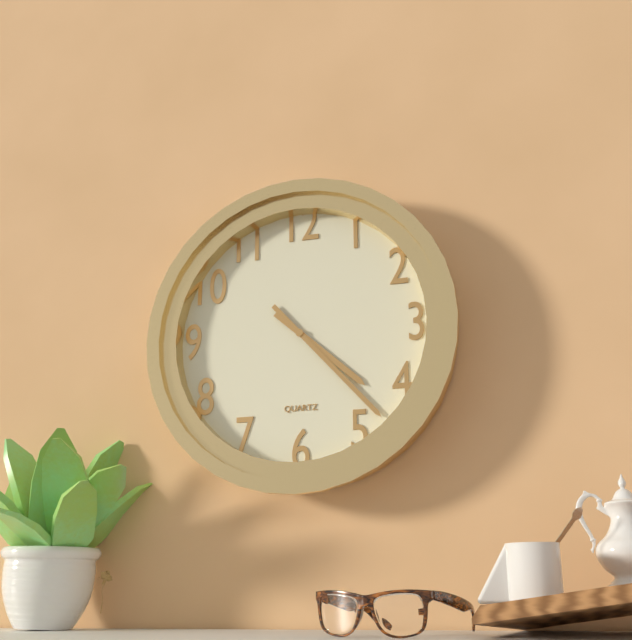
4:23
